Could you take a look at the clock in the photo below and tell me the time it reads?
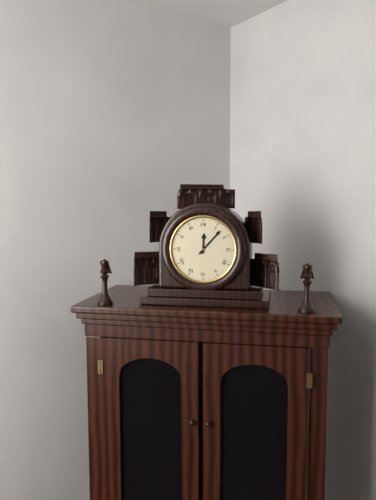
12:07
